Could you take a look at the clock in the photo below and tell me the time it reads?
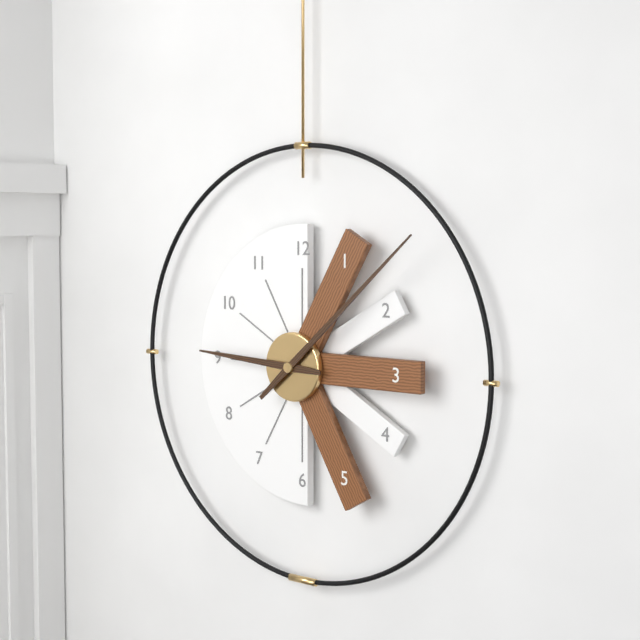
9:08
